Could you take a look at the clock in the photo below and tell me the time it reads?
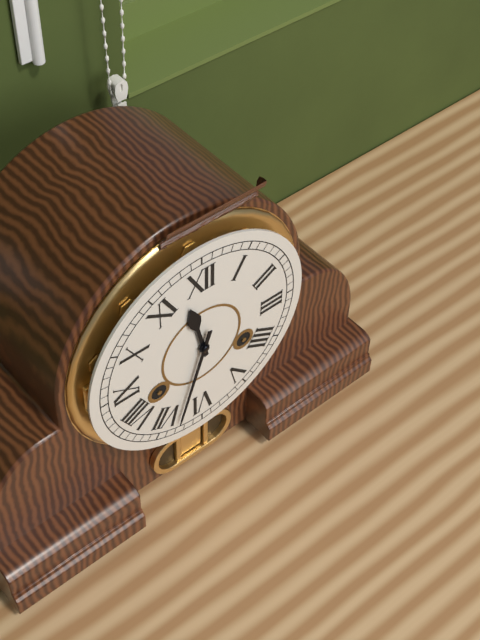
11:33
